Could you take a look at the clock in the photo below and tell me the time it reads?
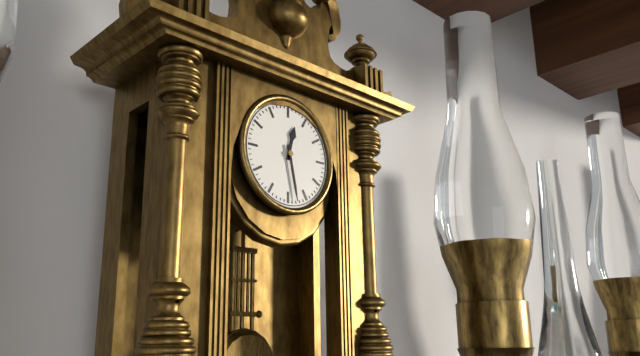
12:28
